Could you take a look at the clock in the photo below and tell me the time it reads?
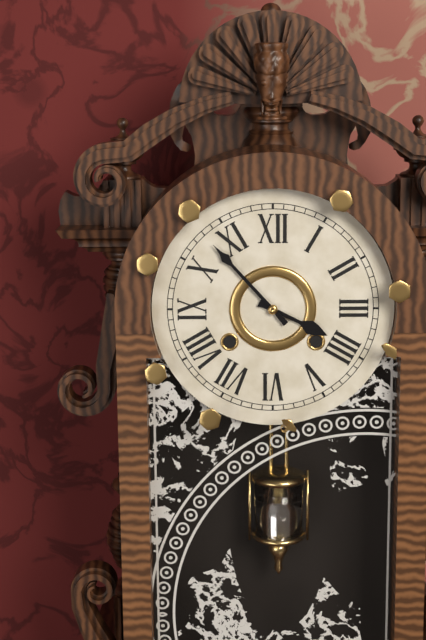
3:53
